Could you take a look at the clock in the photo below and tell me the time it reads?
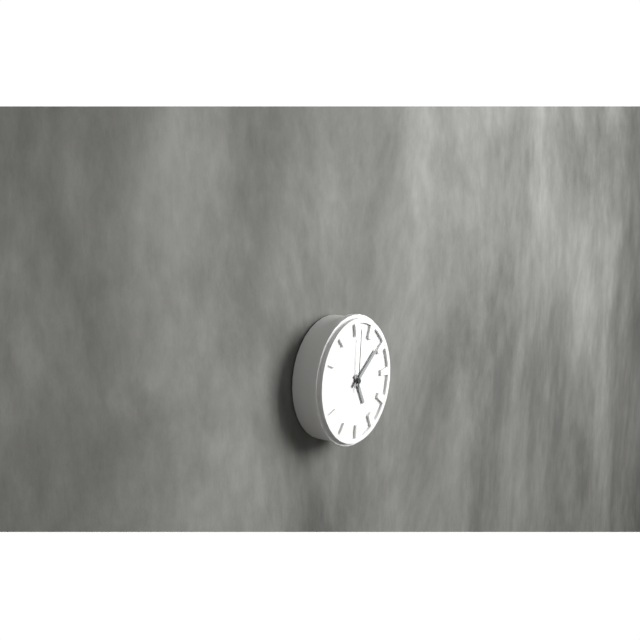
5:09:01
